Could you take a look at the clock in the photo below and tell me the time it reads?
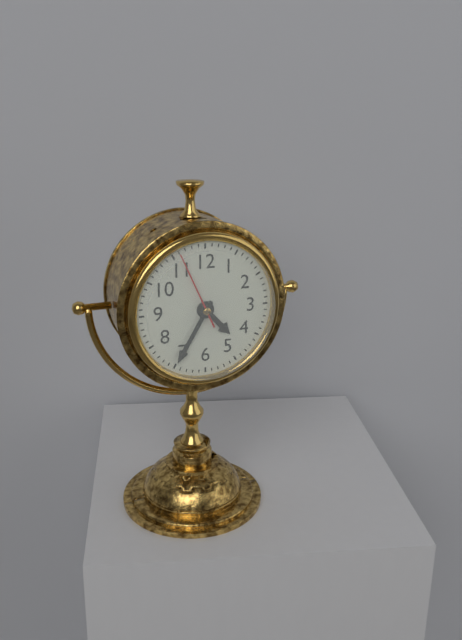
4:35:56
